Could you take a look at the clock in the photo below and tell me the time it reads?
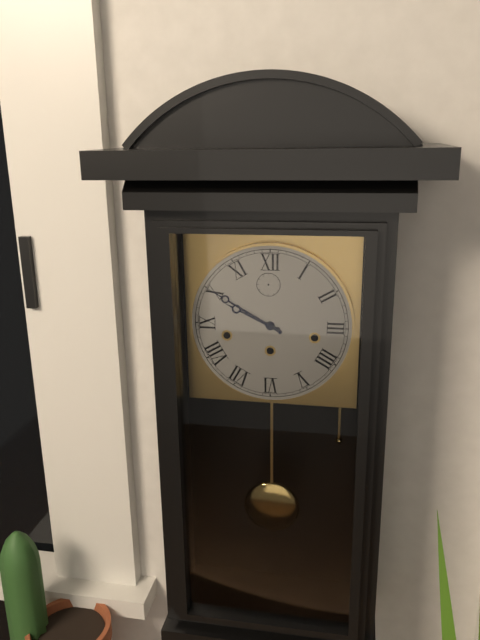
9:50
